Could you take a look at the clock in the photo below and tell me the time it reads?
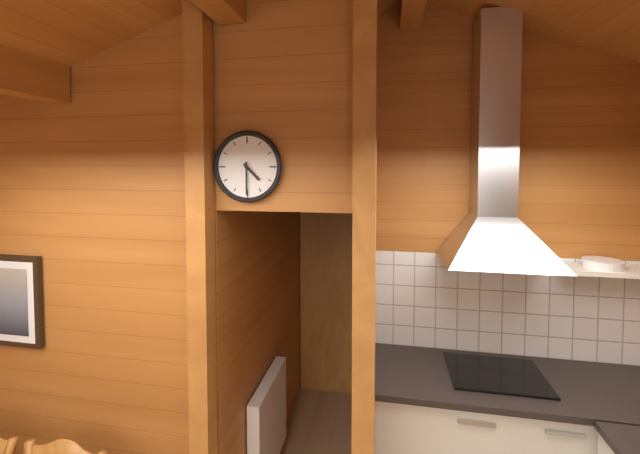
4:30
